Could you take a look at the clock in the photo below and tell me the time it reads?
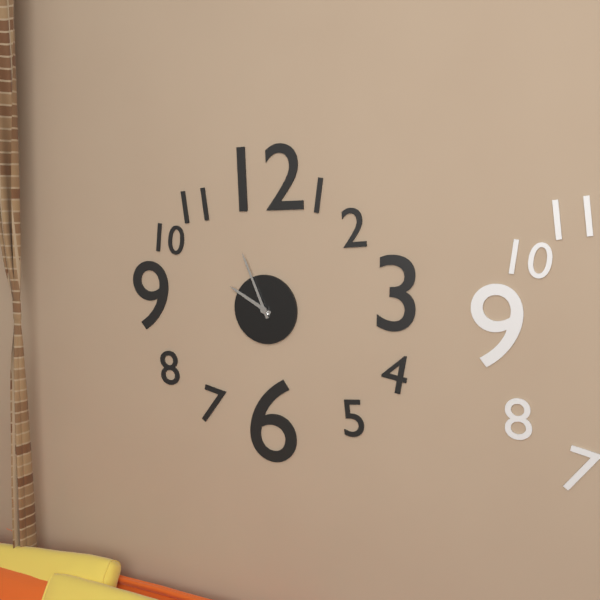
9:56
